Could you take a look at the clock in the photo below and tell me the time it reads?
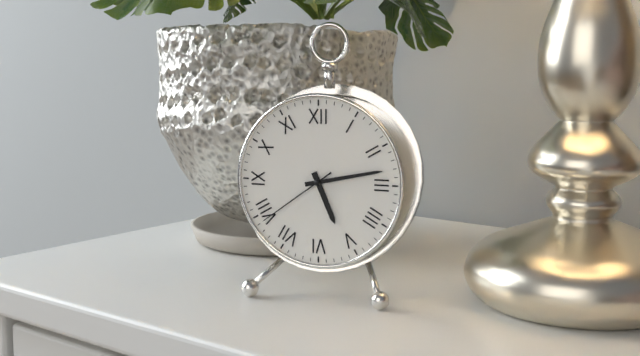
5:13:39
